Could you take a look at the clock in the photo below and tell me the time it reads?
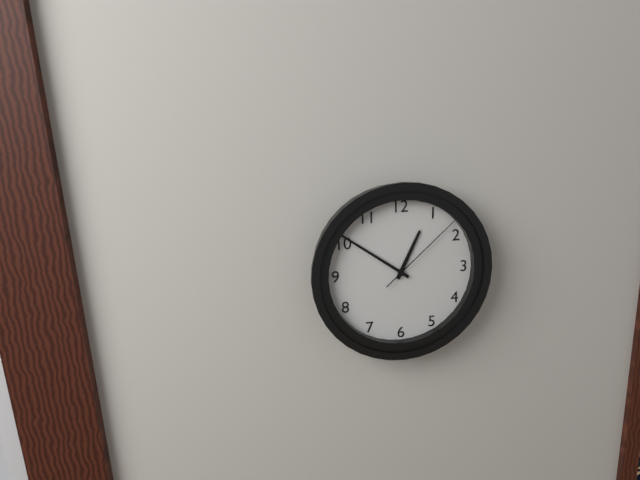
12:51:08
